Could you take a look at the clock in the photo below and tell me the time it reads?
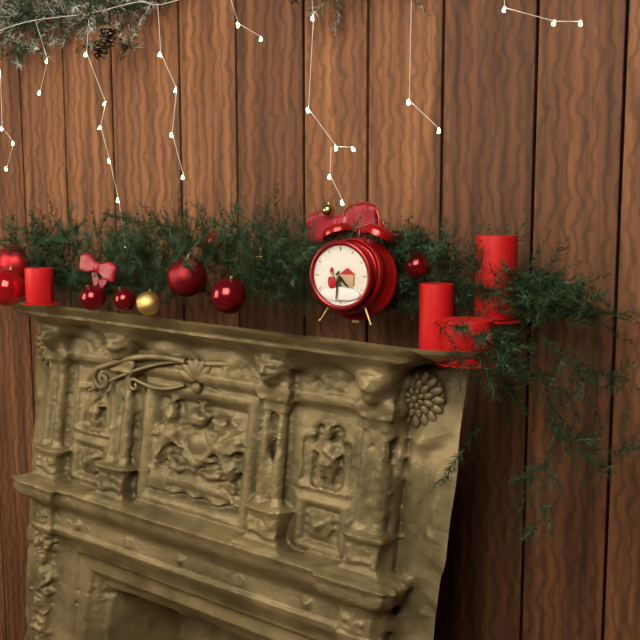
4:31
